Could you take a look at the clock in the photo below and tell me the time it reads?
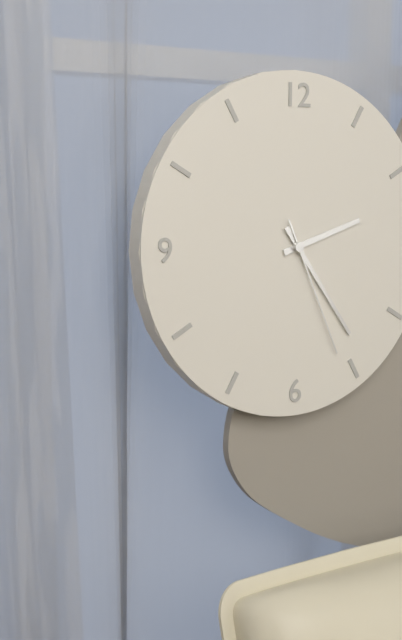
2:24:26
